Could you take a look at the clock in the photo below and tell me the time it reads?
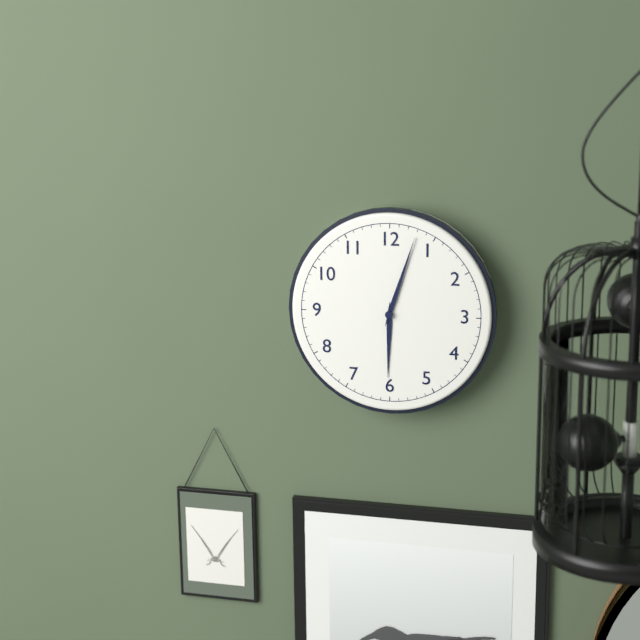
6:03
